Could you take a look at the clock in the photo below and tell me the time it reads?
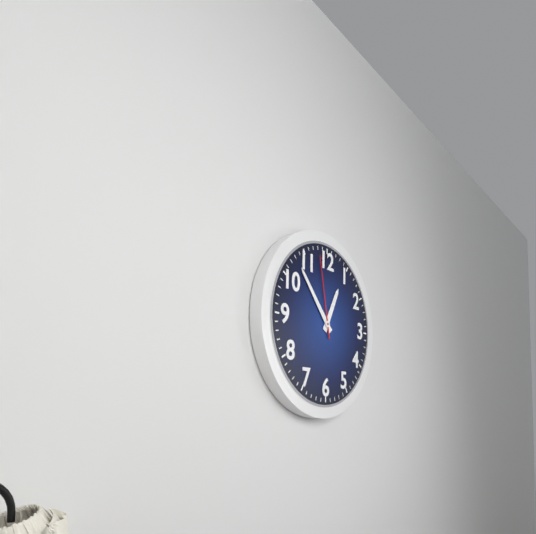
12:53:58
